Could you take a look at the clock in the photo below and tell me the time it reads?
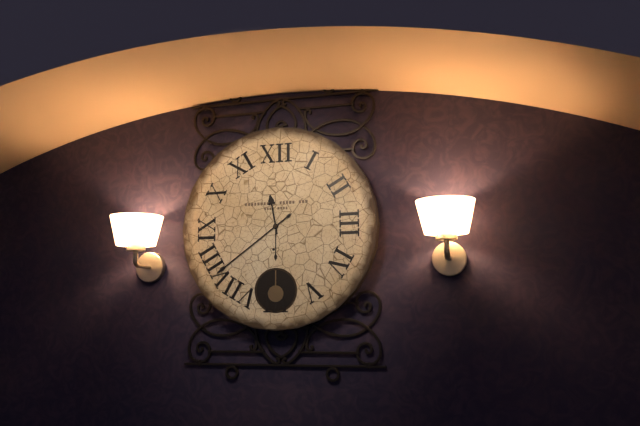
11:39
